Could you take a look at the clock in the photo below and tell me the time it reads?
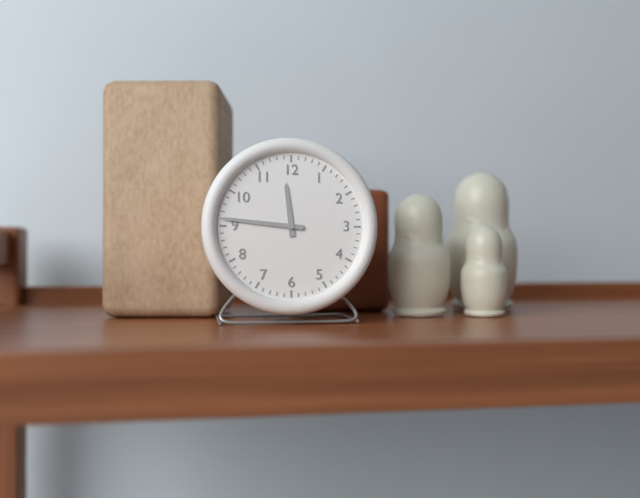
11:46
